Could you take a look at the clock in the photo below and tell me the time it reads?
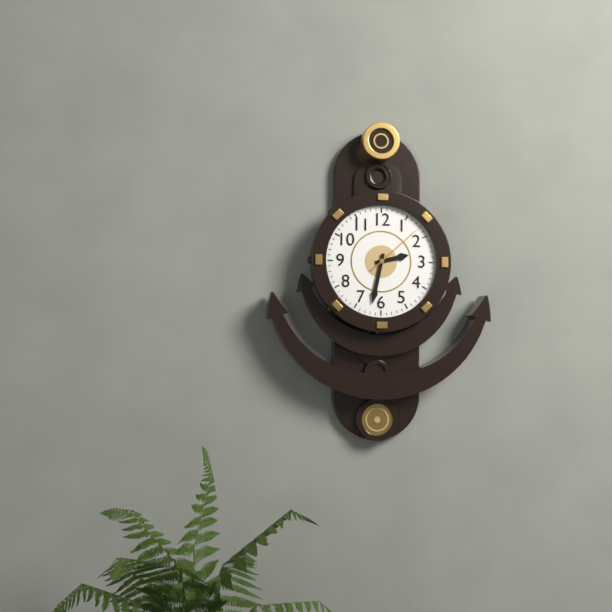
2:32:08
